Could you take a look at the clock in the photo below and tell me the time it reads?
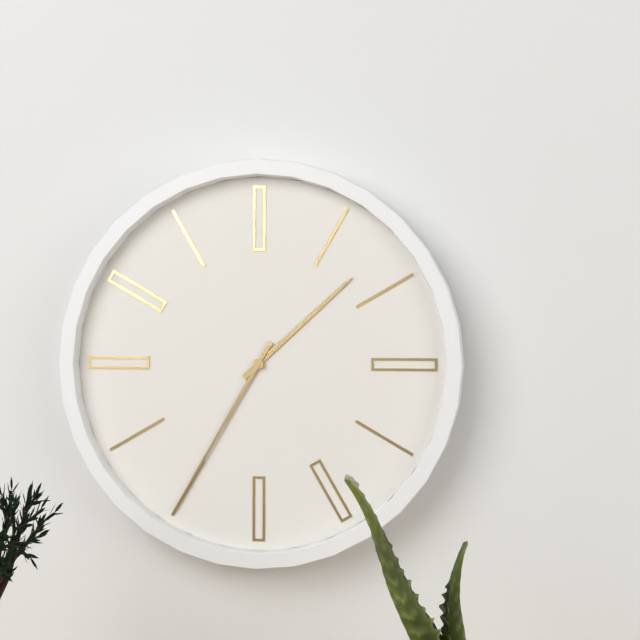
1:35
